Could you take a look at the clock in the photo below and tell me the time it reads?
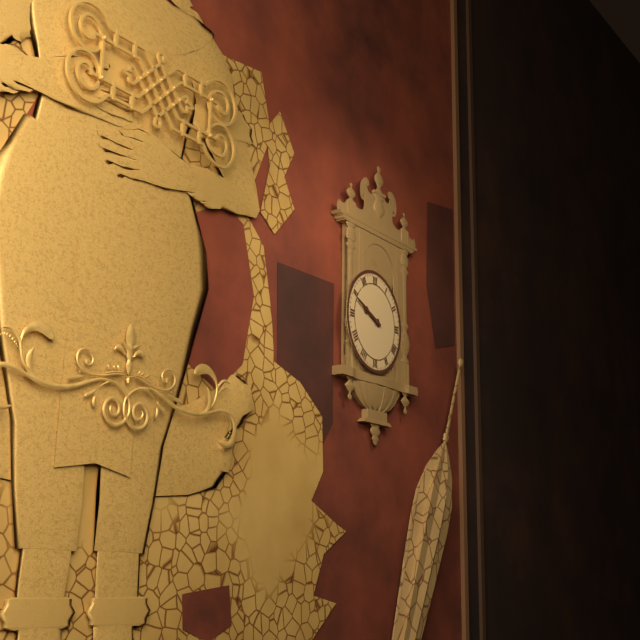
9:49
